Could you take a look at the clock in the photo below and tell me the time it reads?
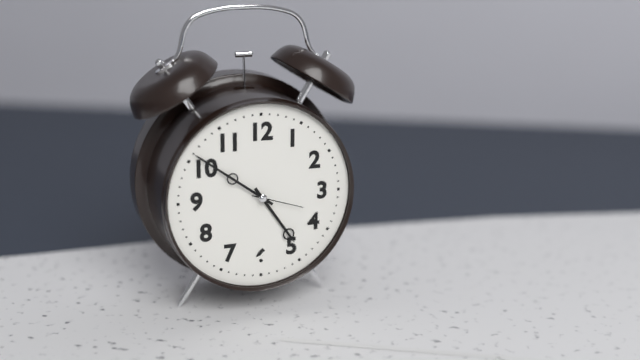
4:51:18
